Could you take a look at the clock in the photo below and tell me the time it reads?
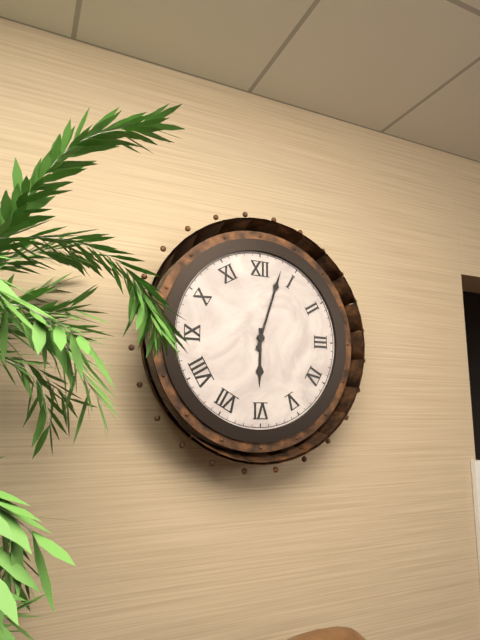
6:03
